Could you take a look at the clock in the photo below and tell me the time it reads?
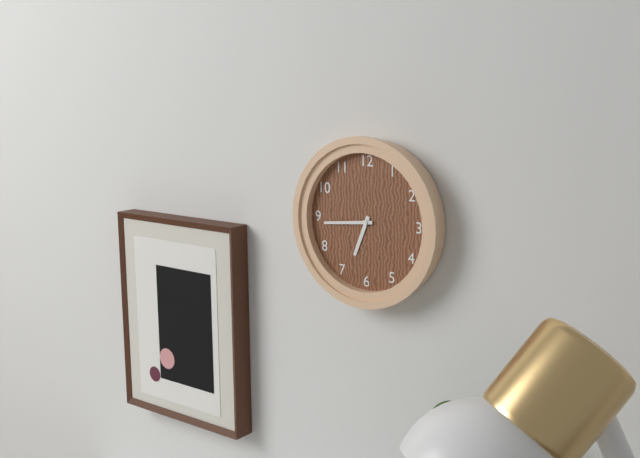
6:44
